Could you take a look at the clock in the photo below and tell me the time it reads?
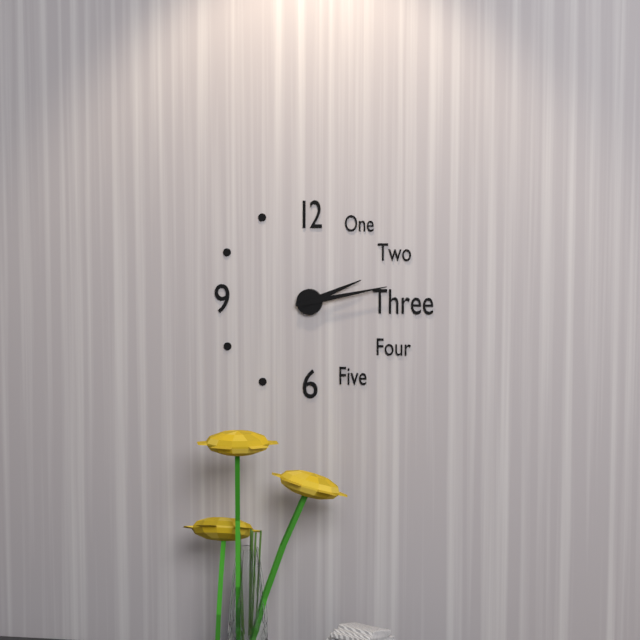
2:13
